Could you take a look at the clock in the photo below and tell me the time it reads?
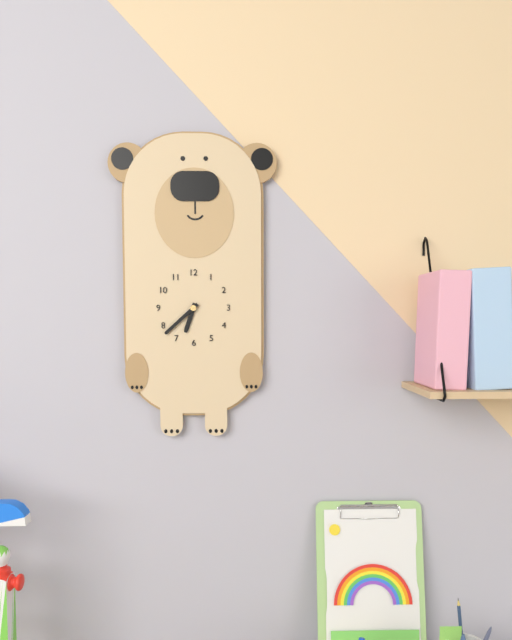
6:38
